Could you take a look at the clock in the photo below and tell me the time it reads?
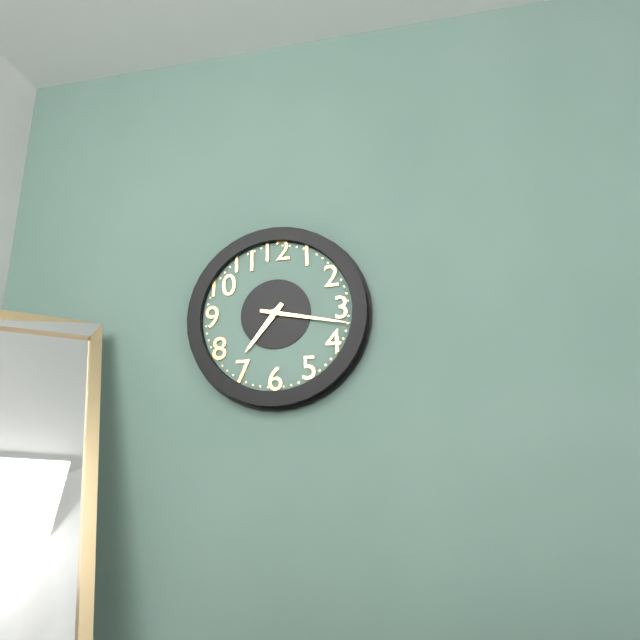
7:17
